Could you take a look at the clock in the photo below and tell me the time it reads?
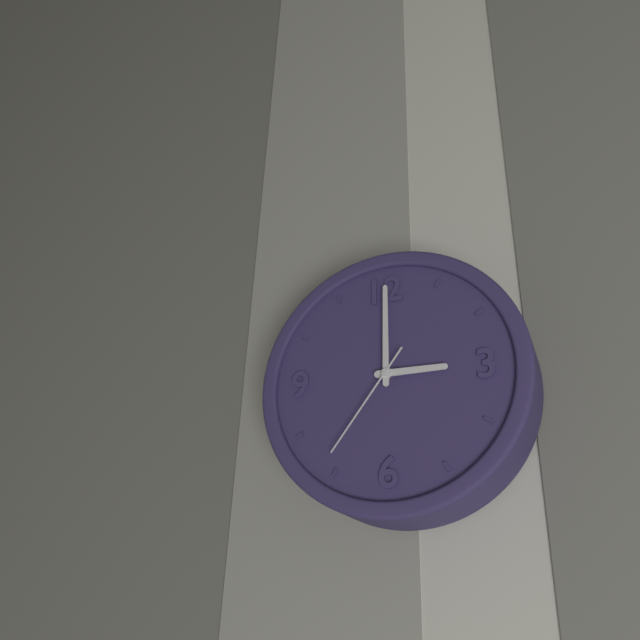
3:00:36
